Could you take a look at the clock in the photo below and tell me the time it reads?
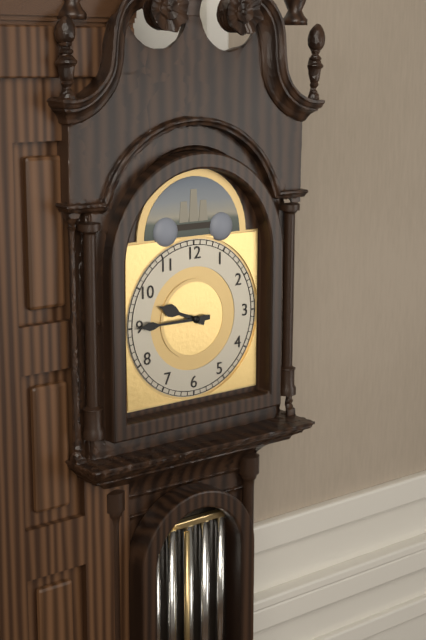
9:45
